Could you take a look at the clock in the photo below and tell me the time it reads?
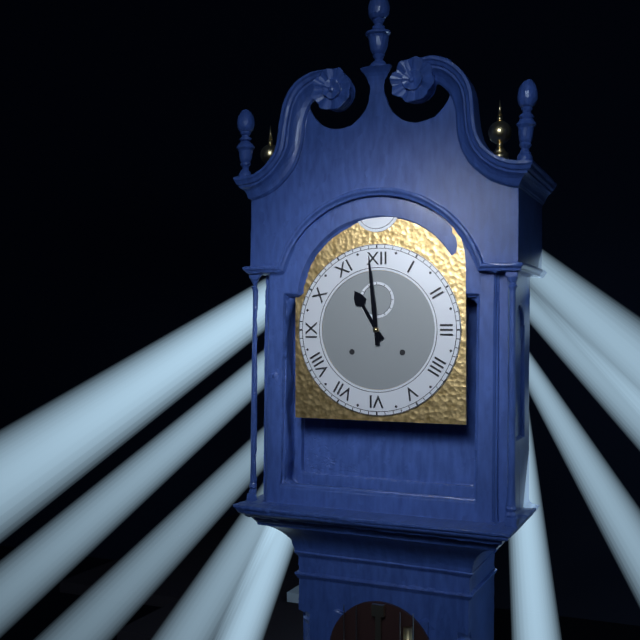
10:59
